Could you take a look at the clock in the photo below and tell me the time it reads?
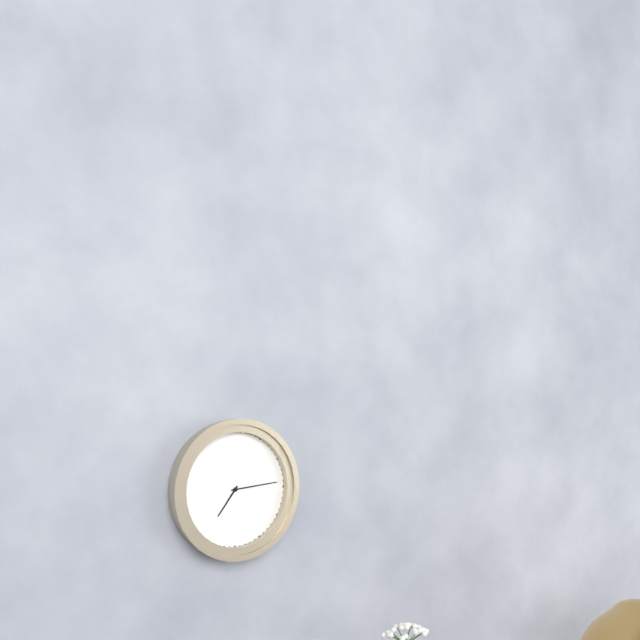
7:14
